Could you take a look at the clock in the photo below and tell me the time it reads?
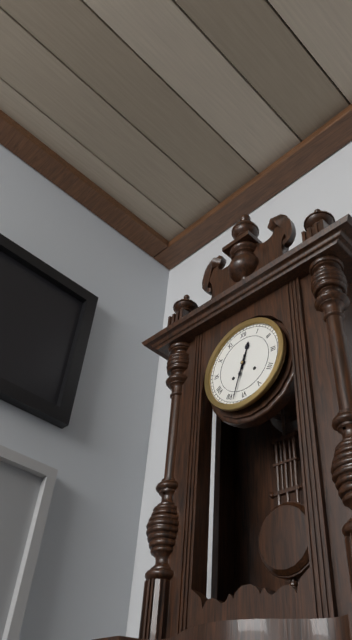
12:33
